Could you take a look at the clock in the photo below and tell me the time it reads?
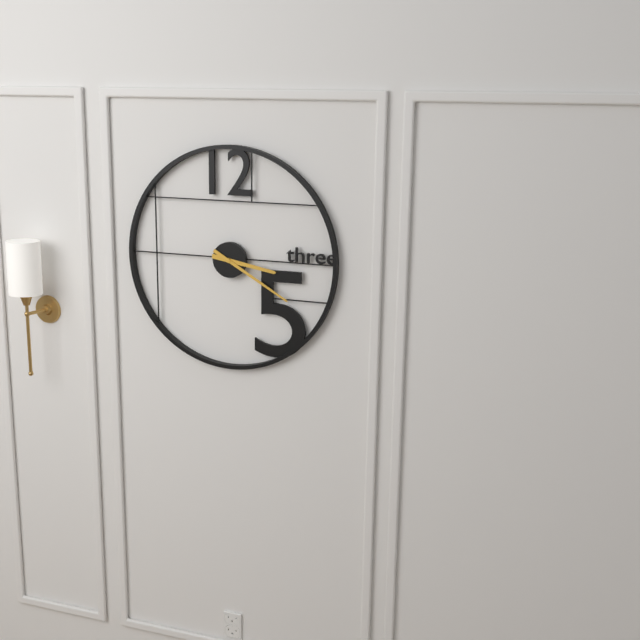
3:20
